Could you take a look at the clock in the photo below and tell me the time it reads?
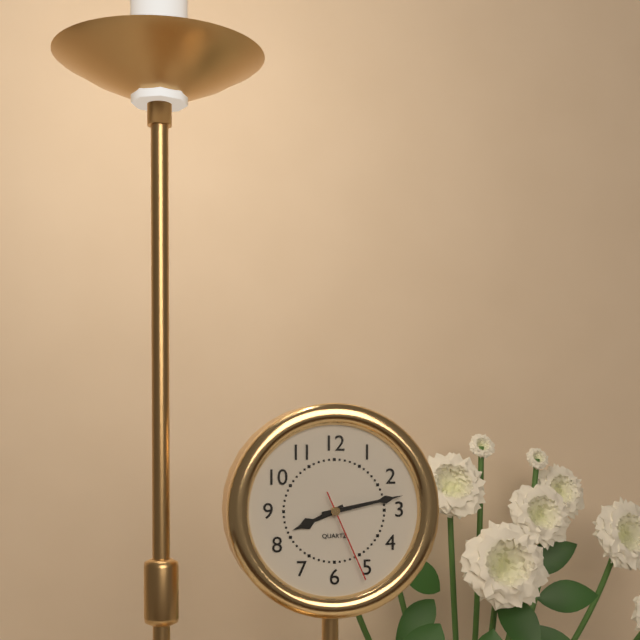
8:13:26
